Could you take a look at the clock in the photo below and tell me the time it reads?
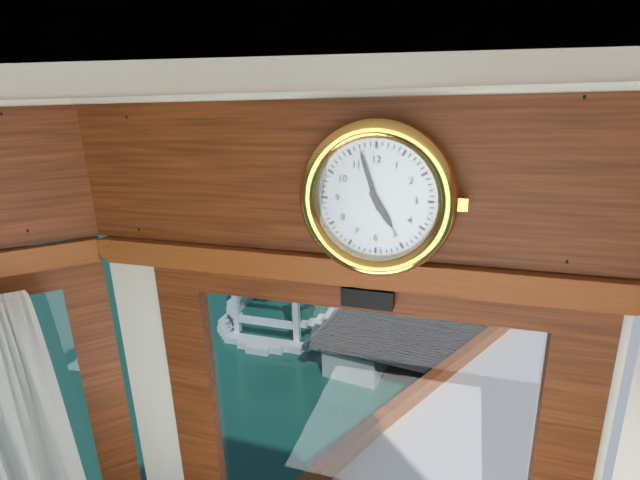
4:57
